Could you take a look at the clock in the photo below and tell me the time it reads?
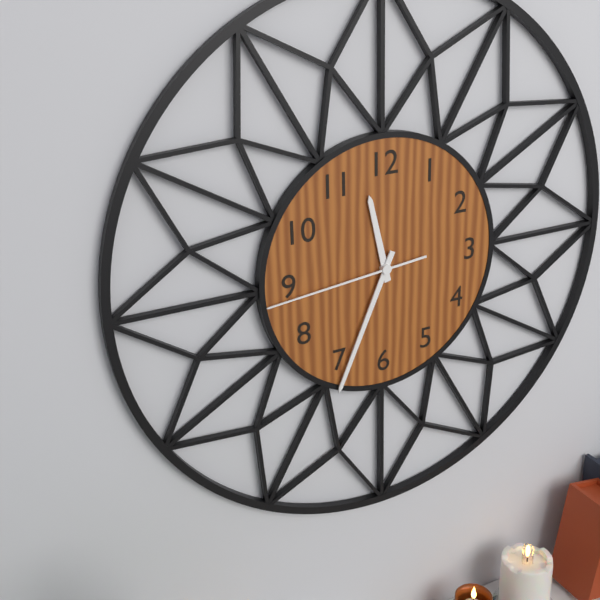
11:34:44
